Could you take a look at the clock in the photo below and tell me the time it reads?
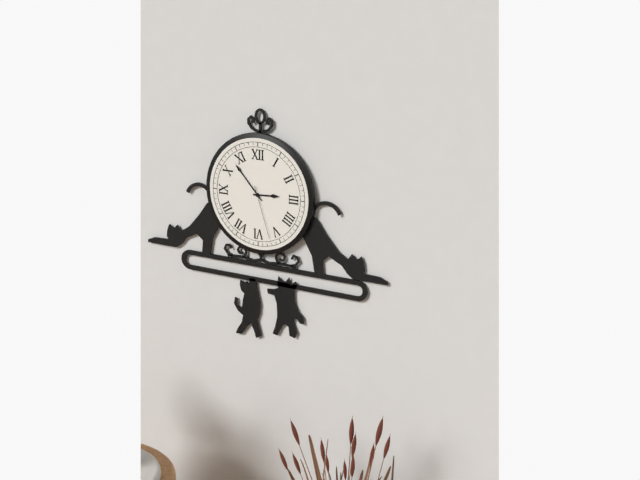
2:53:27
